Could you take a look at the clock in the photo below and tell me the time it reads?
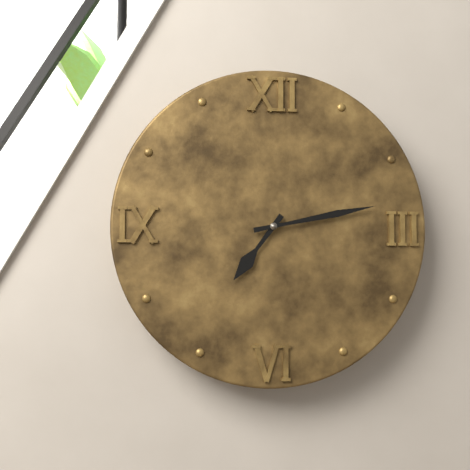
7:13
